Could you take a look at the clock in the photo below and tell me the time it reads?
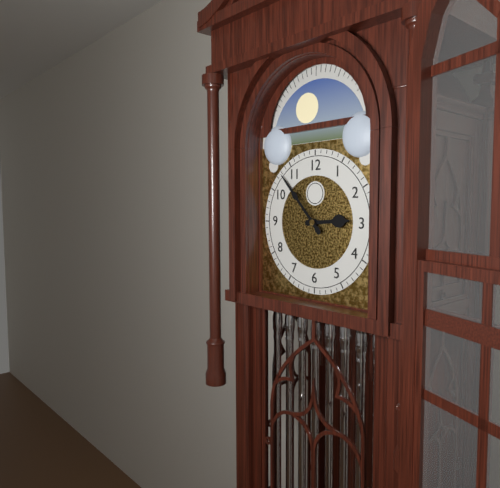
2:53
